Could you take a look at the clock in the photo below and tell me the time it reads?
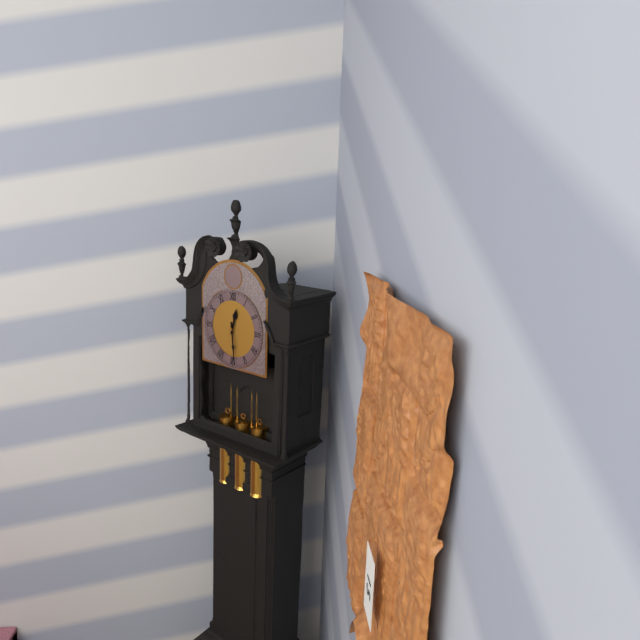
12:29
